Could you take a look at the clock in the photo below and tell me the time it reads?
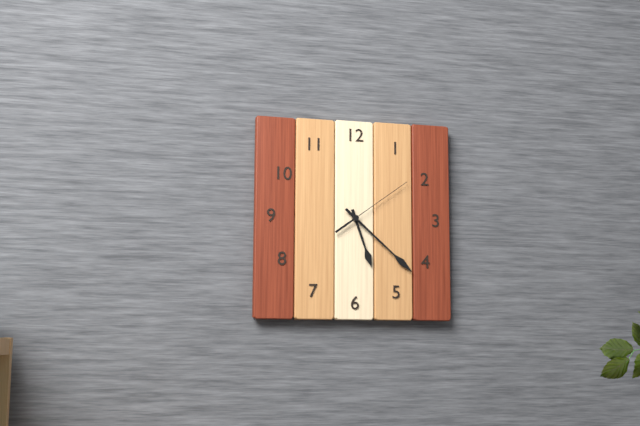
5:22:09
